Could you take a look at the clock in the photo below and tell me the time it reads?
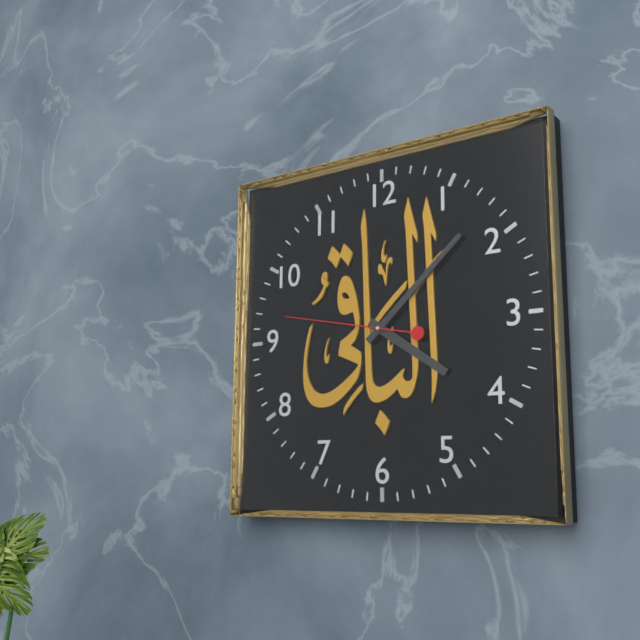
4:08:47
